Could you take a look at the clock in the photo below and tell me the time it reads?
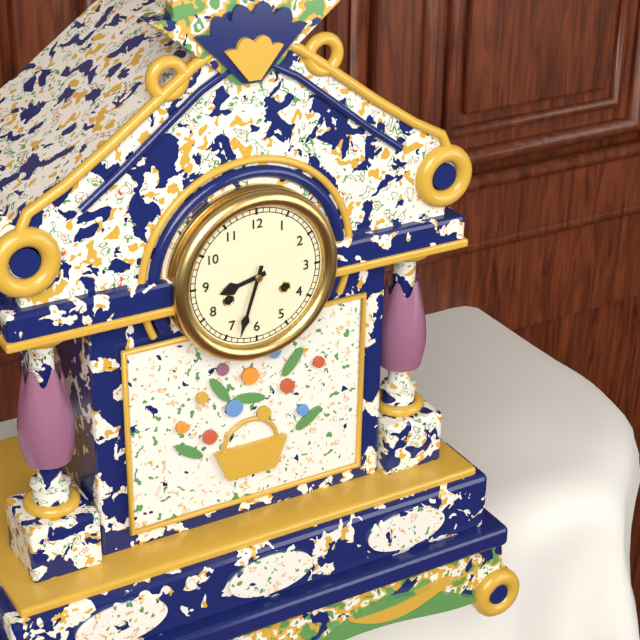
8:33
